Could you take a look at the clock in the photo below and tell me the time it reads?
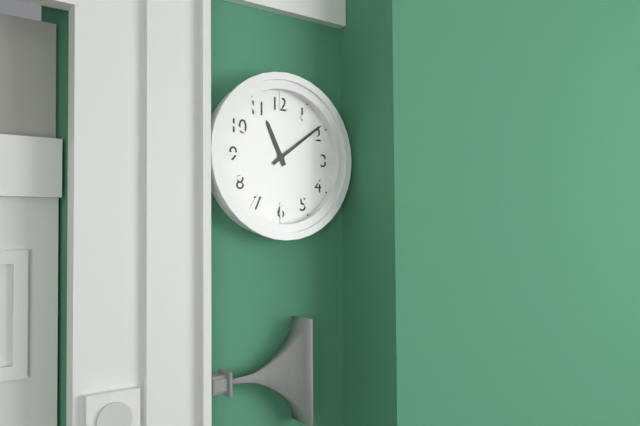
11:09
